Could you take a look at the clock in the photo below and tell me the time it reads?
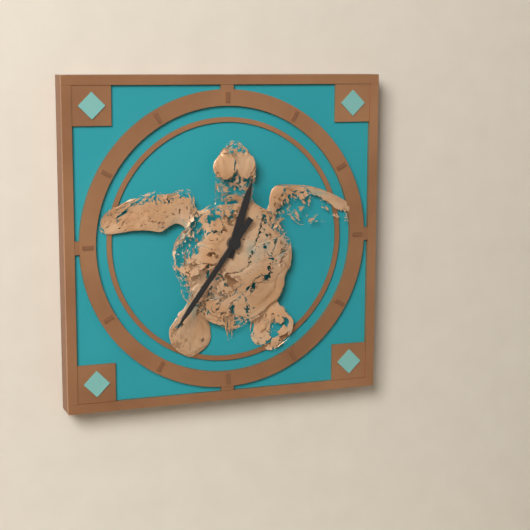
12:36
